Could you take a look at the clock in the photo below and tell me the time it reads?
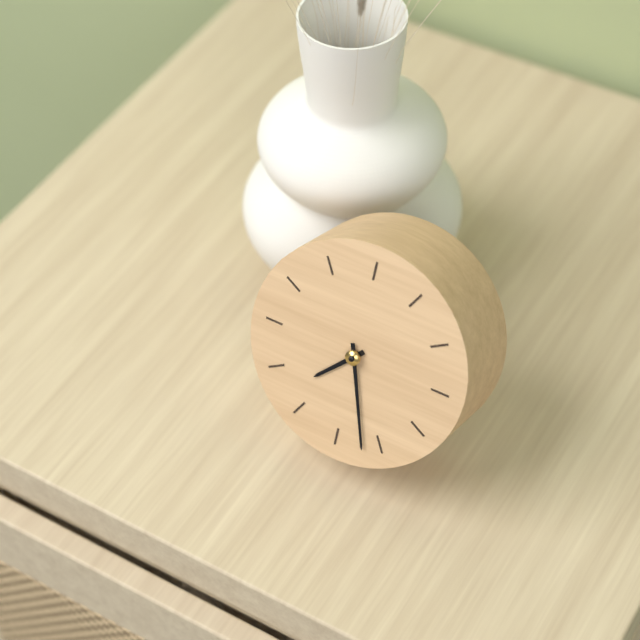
7:27
